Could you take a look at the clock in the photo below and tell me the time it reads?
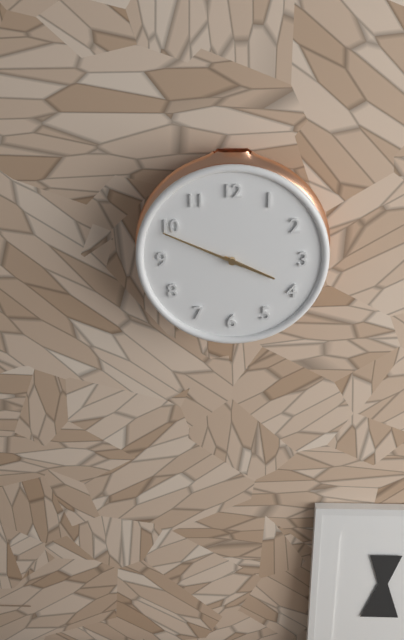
3:49
